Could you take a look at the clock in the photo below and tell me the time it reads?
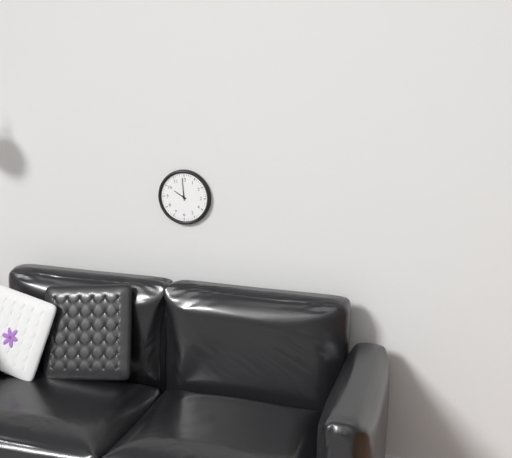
9:59
